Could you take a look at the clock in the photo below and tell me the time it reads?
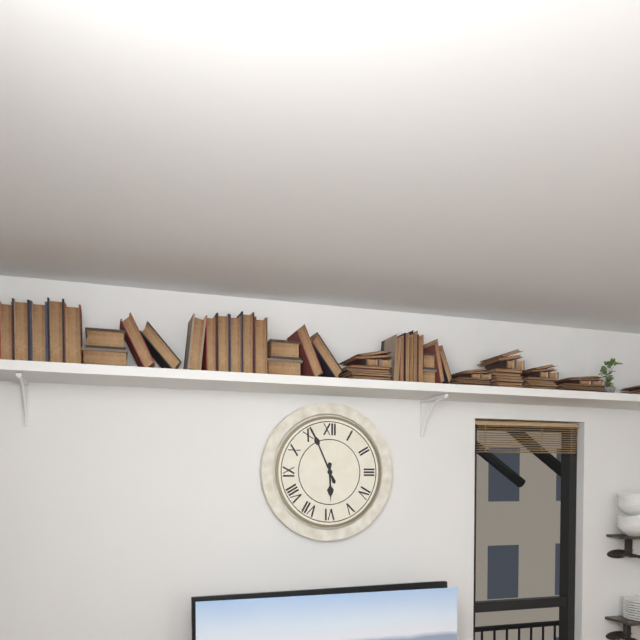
5:56
